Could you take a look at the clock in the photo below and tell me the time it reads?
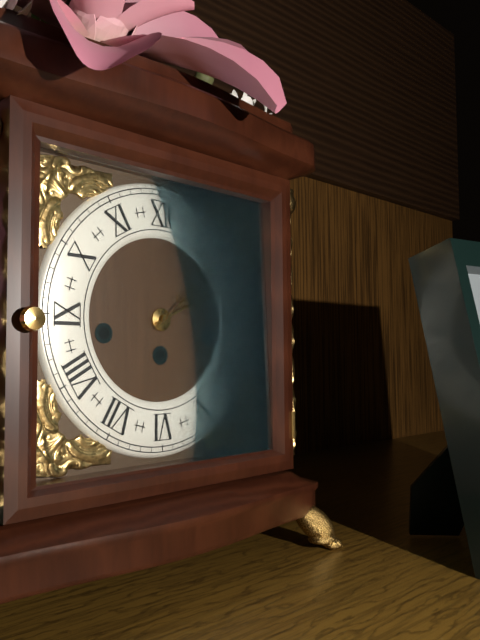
2:08
